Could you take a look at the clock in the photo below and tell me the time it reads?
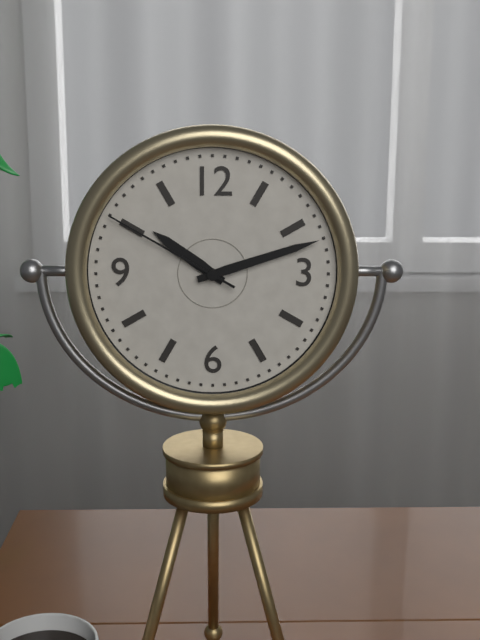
10:12:50
